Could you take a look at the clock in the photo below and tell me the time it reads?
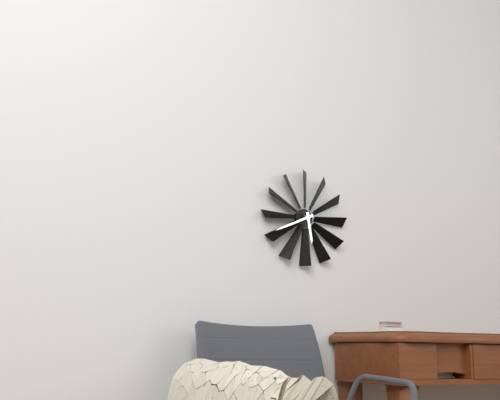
5:41
